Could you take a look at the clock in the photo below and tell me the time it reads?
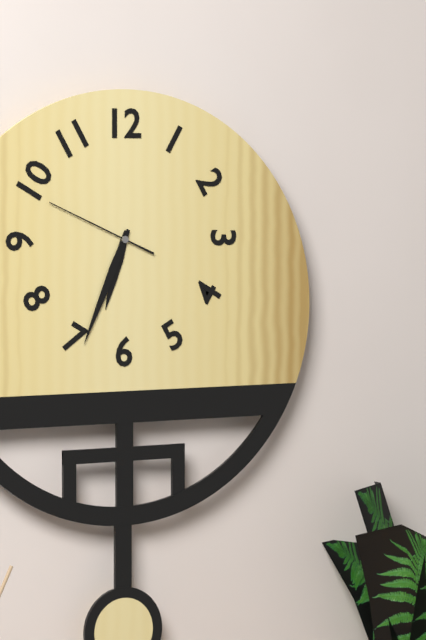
6:34:49
